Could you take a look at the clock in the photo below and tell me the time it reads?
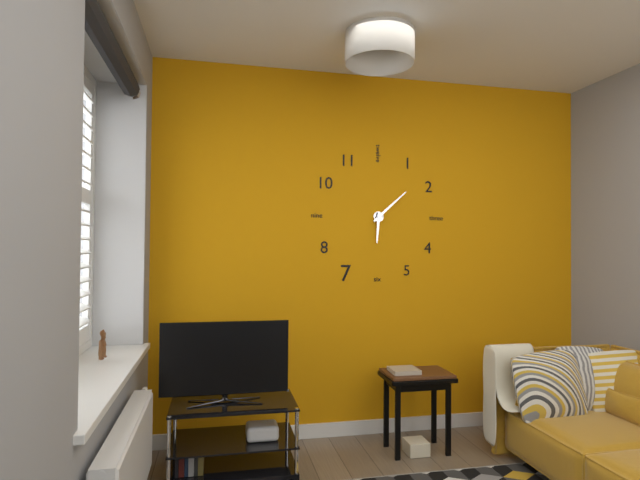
6:08
